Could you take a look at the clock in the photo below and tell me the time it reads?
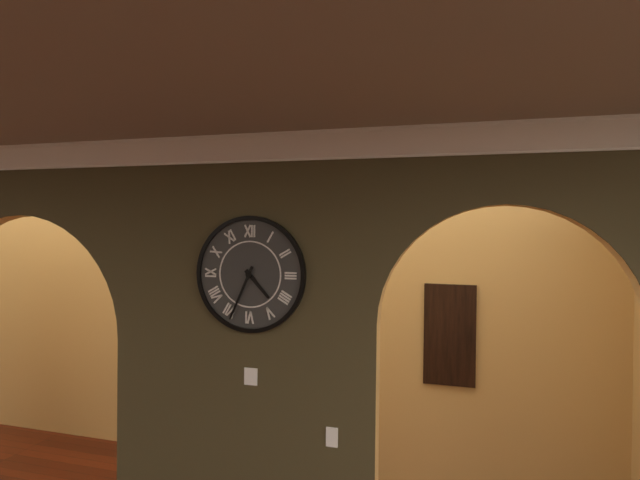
4:34
